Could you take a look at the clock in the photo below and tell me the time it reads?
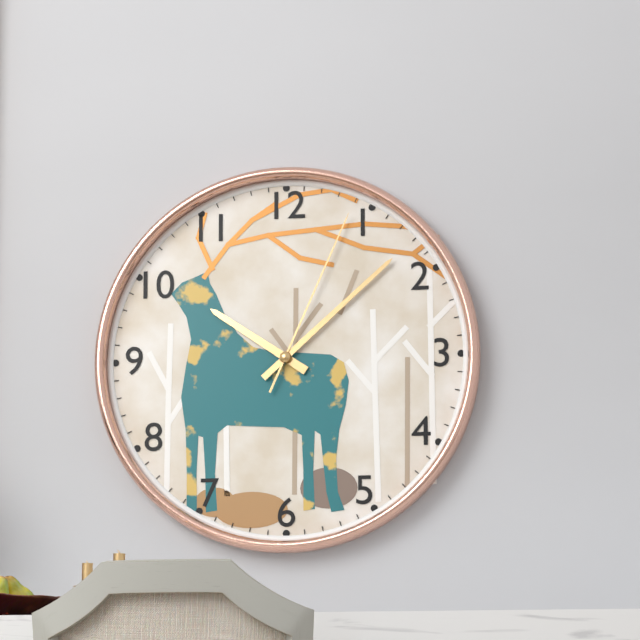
10:08:04
